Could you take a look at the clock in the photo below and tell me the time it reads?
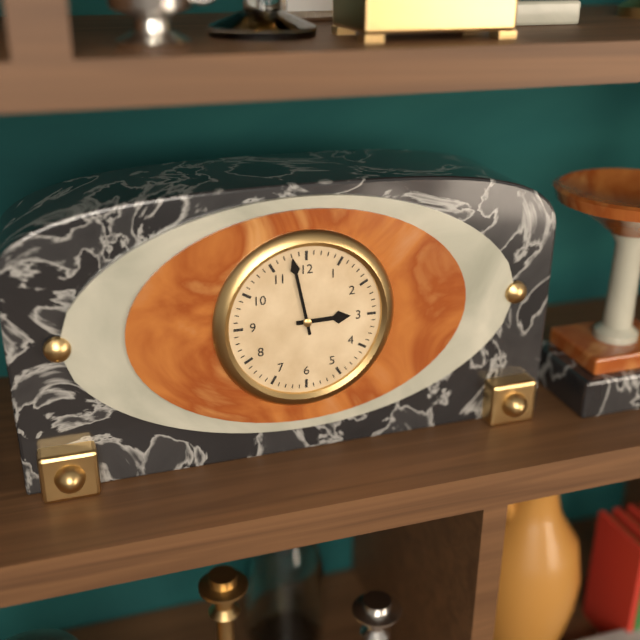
2:58
